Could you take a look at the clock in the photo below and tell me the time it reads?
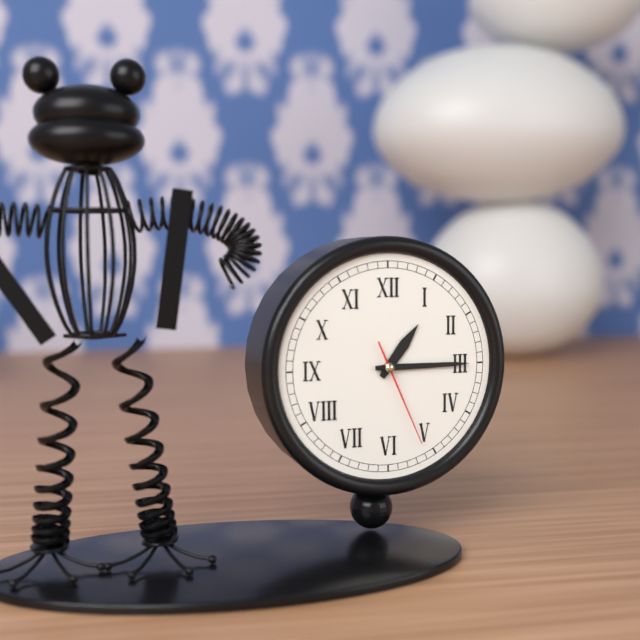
1:15:26
